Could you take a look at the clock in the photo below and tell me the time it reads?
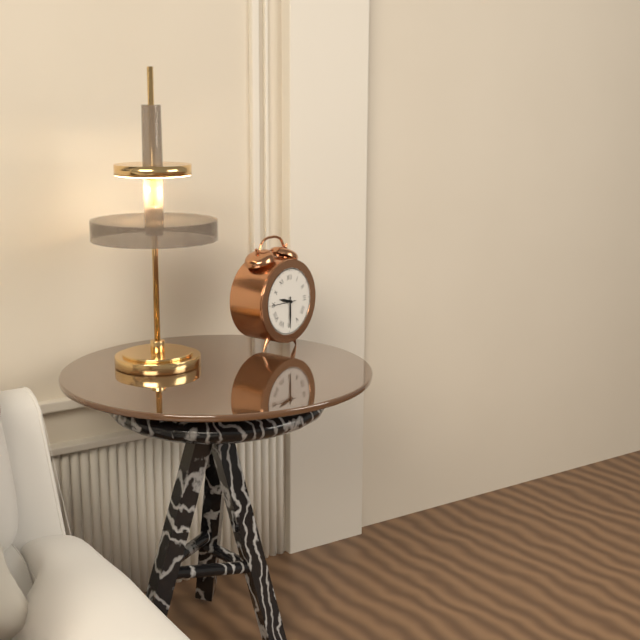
9:30
